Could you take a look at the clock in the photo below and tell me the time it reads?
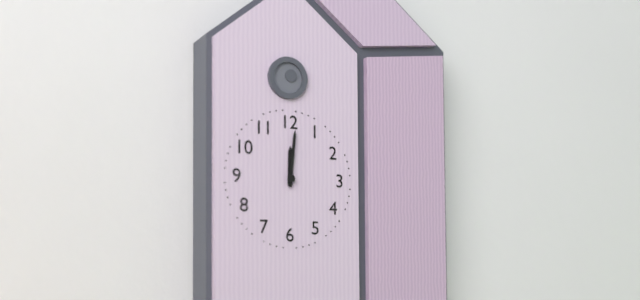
12:01
